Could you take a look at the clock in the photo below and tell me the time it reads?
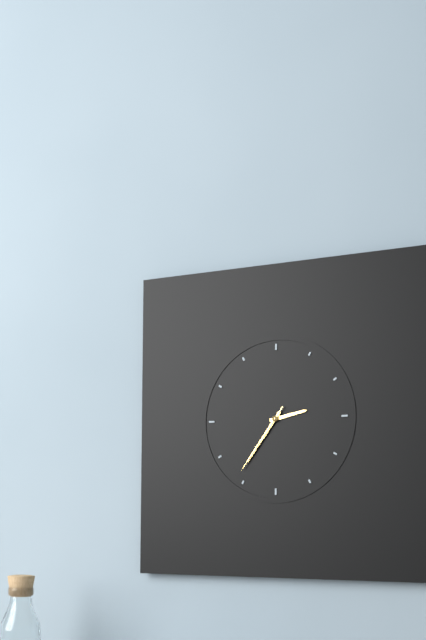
2:36:36
